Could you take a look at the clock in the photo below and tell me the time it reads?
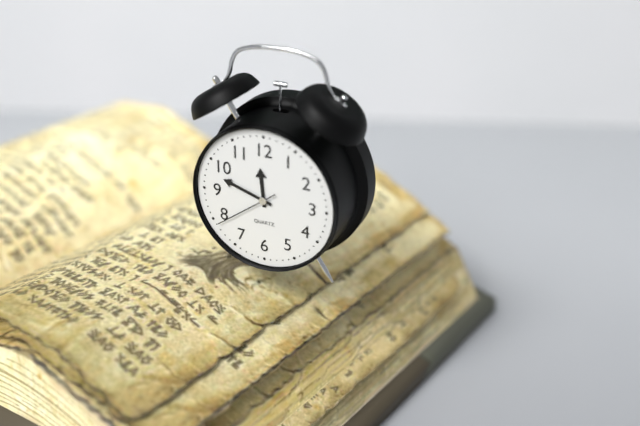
11:48:39
